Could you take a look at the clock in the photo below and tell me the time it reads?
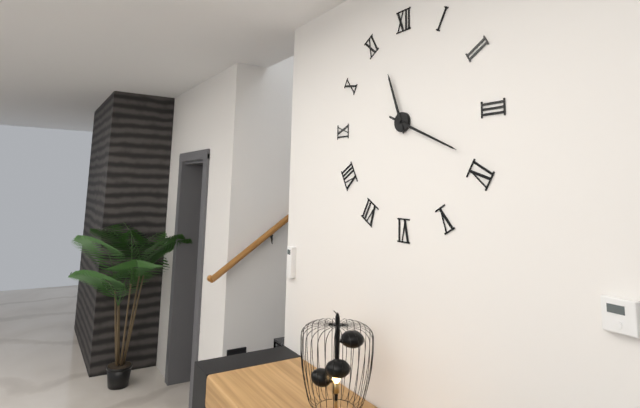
11:19
